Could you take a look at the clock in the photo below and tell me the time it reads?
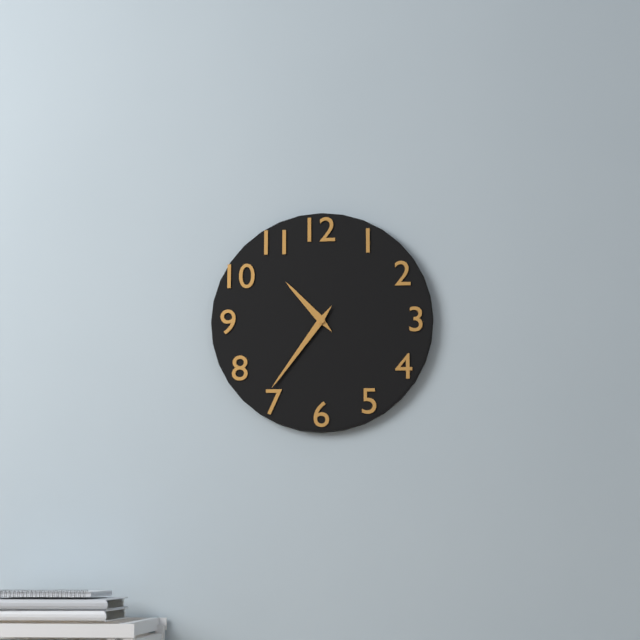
10:36
